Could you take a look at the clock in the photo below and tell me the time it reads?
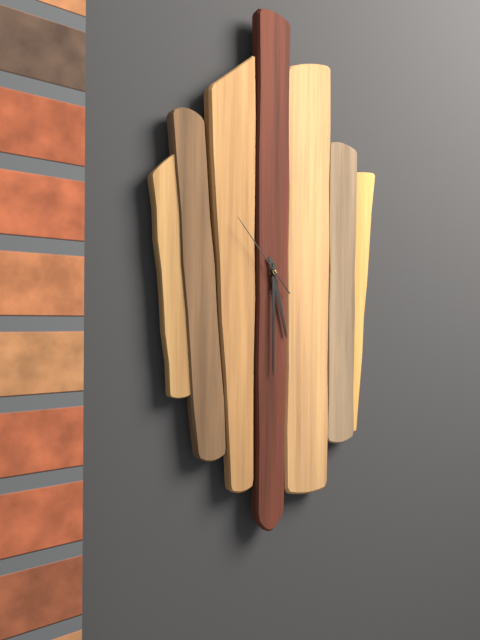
5:30:53
